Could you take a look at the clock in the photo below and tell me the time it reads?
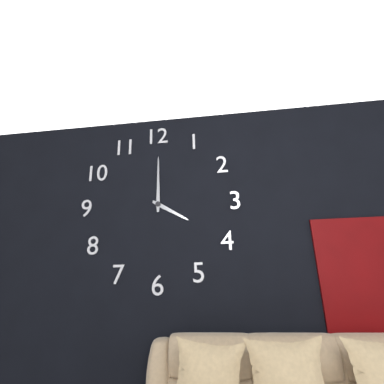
4:00
